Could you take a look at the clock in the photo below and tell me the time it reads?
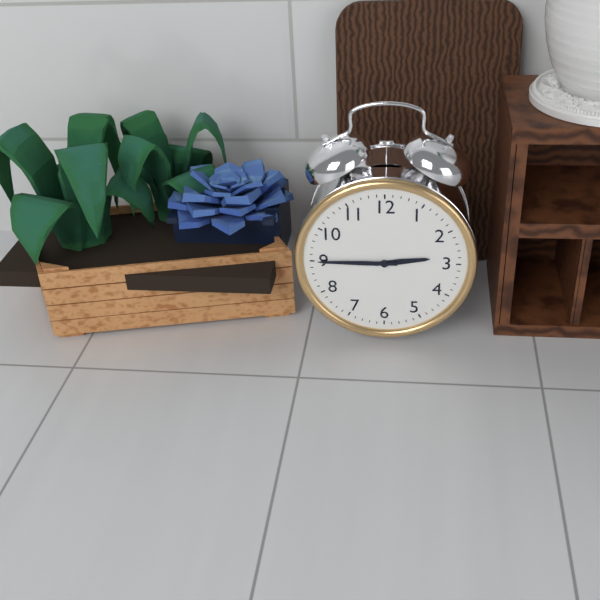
2:45
